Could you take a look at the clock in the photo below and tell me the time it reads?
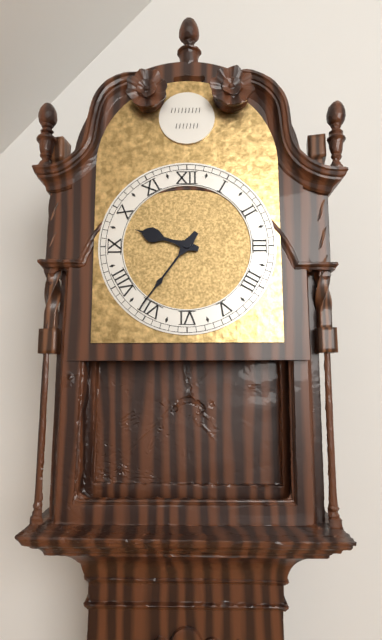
9:36
